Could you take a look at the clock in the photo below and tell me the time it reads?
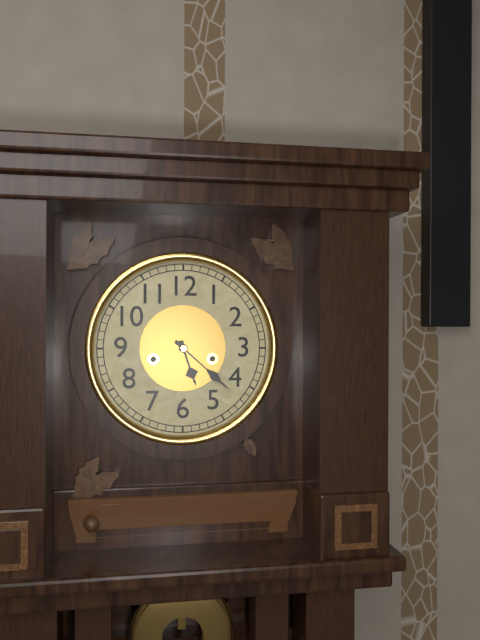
5:22
